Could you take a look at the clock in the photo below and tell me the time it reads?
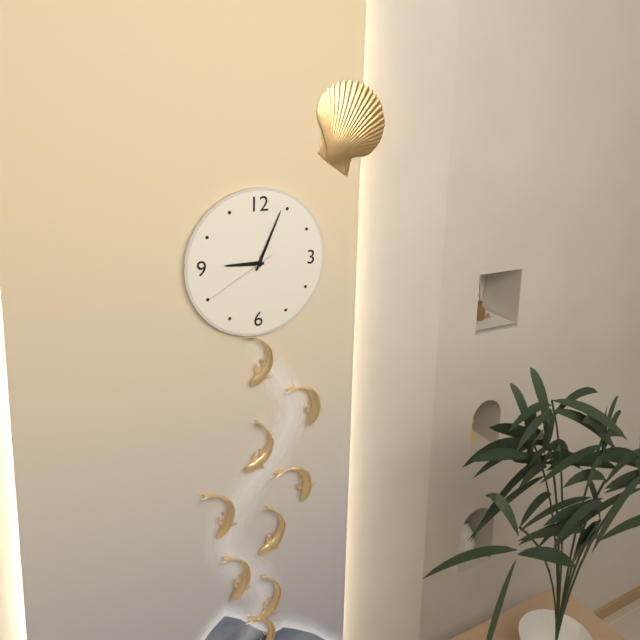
9:04:40
